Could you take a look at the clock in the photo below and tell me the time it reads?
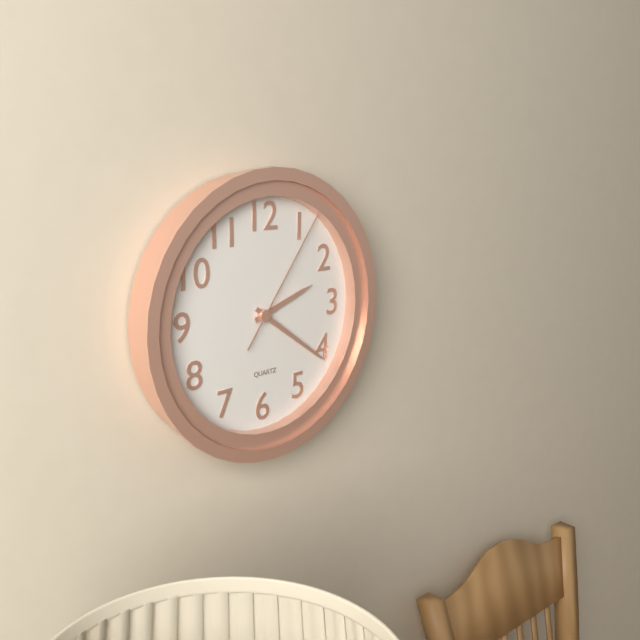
2:21:06
